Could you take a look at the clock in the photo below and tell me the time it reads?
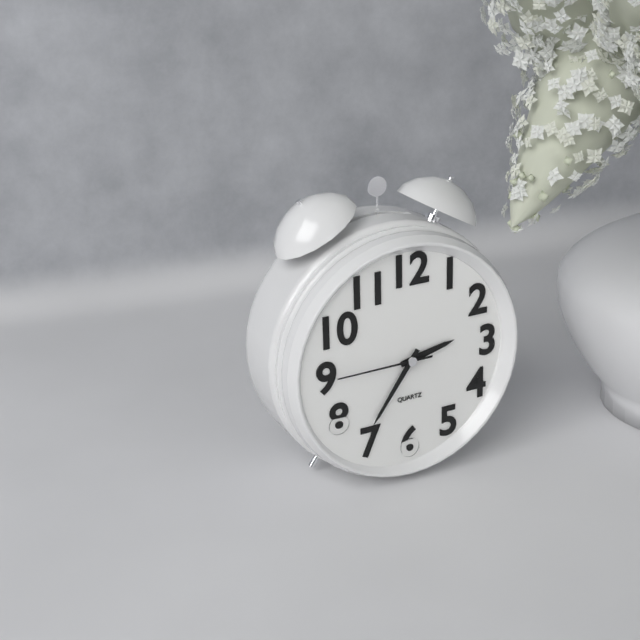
2:36:45
